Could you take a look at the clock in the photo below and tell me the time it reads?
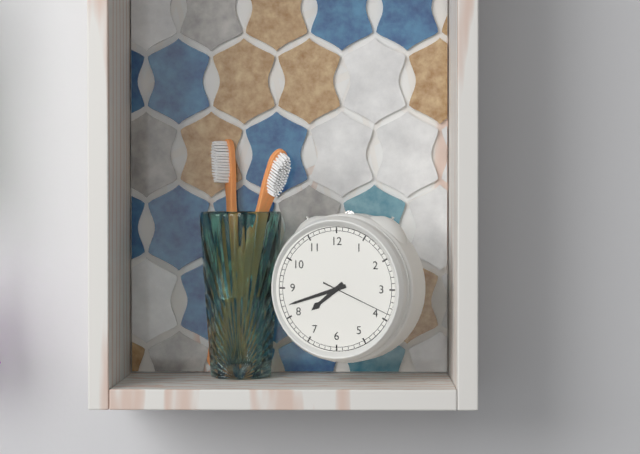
7:42:19
